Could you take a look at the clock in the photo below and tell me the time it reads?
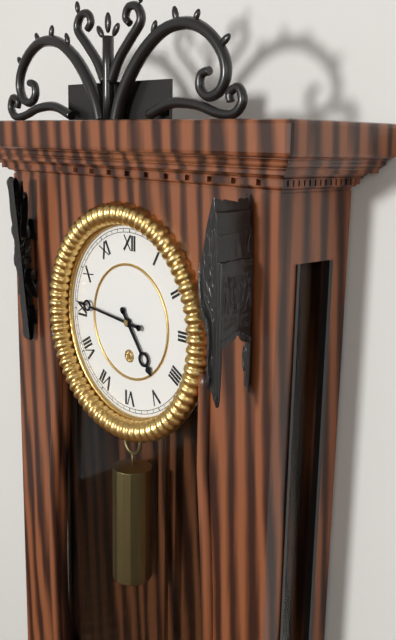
4:46
